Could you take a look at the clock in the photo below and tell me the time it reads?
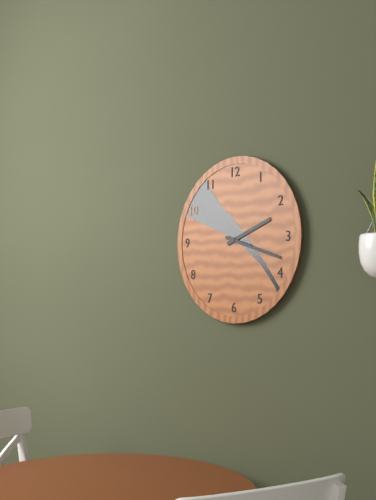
2:18
